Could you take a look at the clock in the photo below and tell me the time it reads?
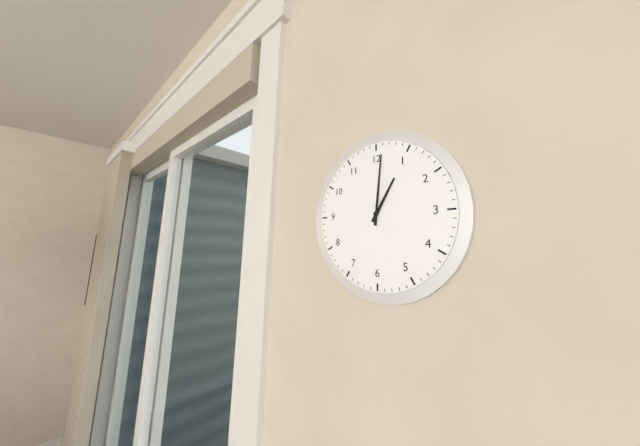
1:01
